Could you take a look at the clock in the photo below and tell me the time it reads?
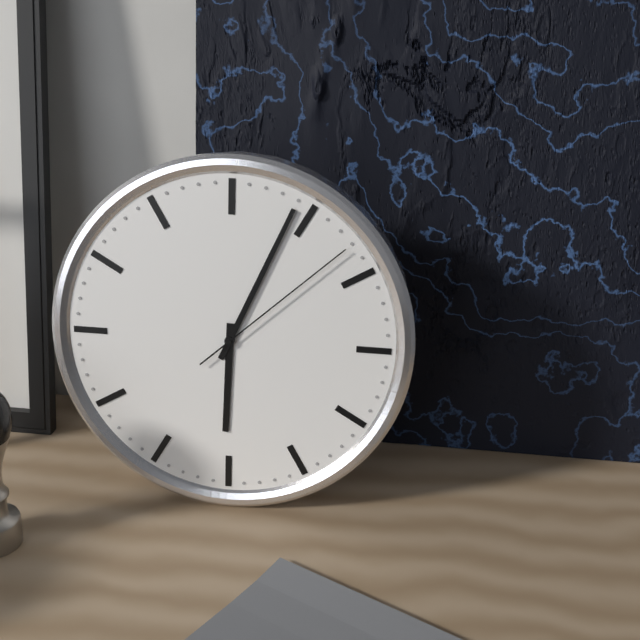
6:04:08
